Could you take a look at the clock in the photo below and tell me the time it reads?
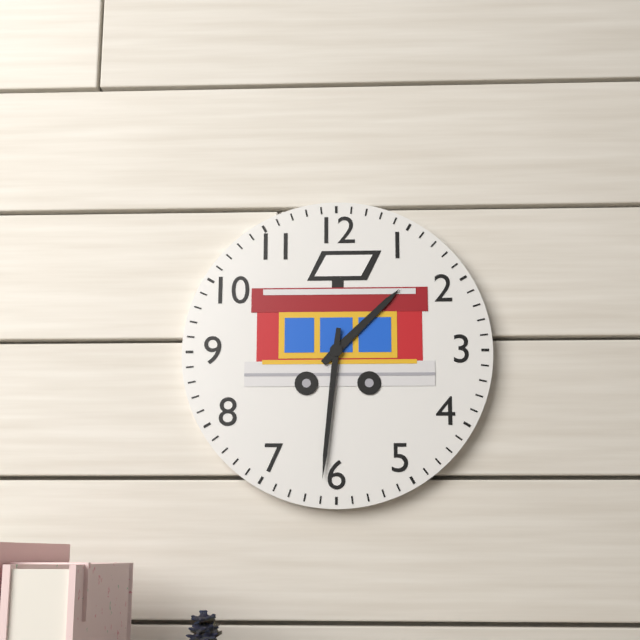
1:31
